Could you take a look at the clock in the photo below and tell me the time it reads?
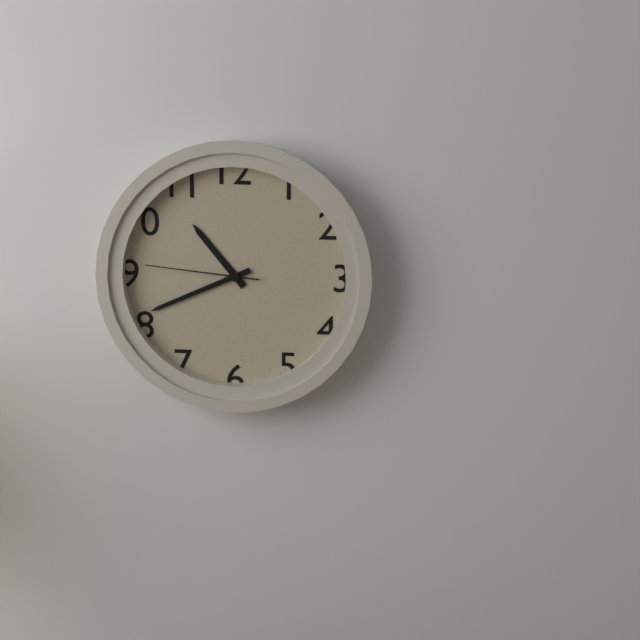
10:41:46
